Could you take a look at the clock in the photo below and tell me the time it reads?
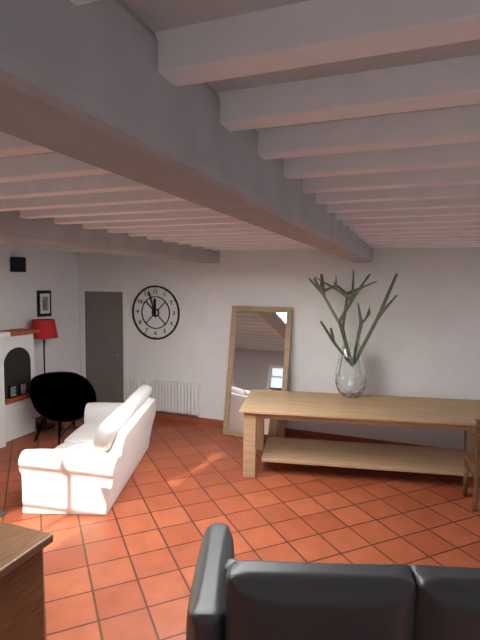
11:57
